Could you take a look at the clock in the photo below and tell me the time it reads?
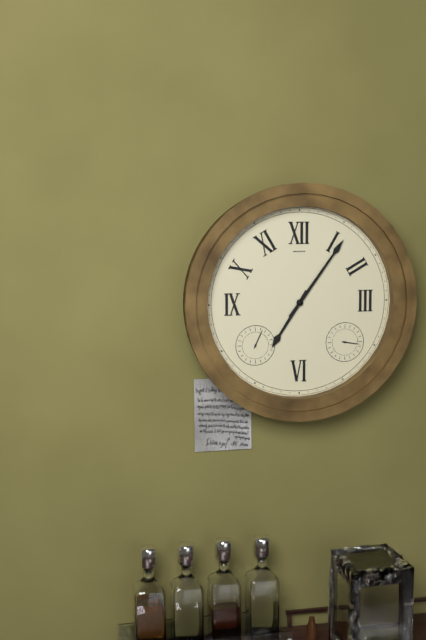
7:06
